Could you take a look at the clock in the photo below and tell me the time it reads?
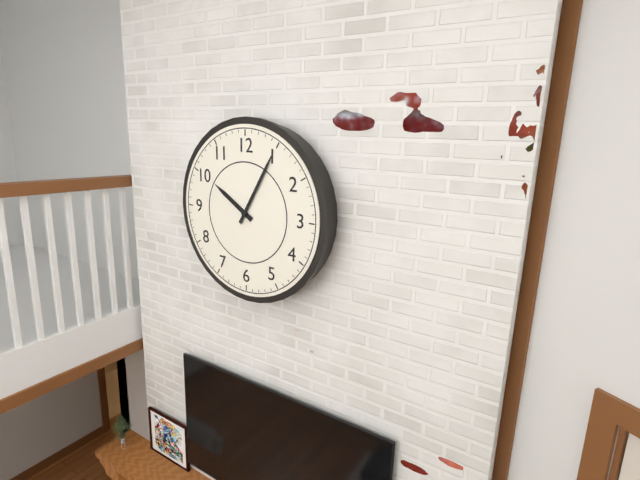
10:05
